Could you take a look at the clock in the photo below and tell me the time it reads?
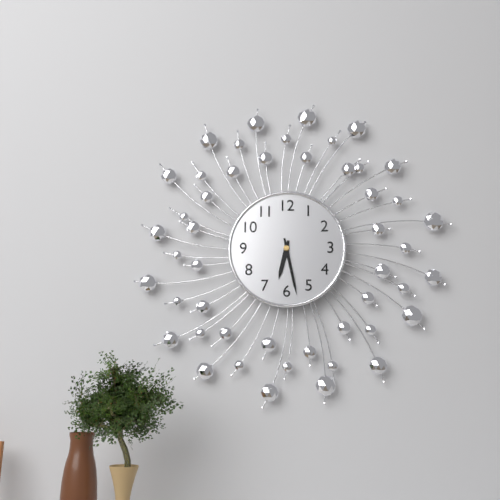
6:28
